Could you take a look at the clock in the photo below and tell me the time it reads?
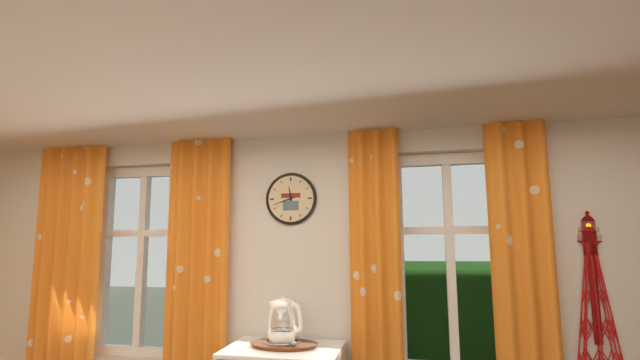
11:42
